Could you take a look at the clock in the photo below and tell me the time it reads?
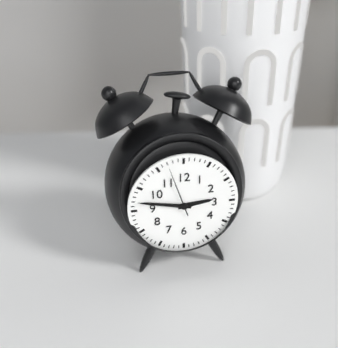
2:47:57
